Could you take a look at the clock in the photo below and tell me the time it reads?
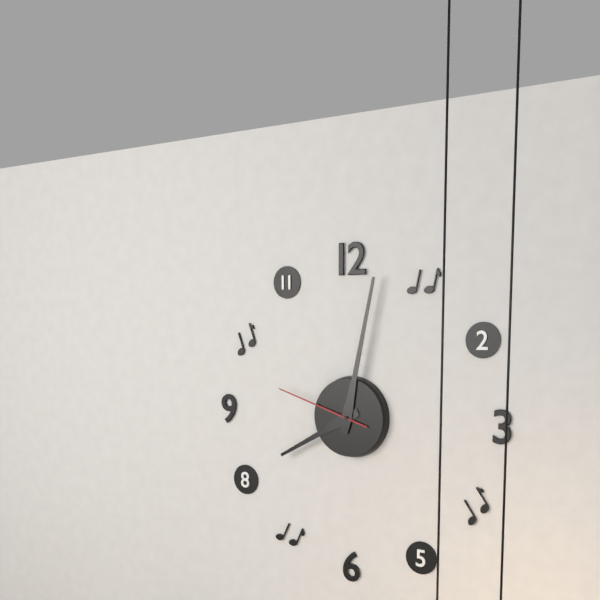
8:02:48
